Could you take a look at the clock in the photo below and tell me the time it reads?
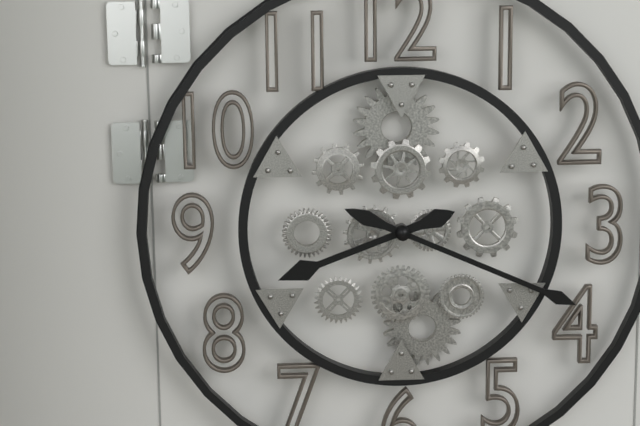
8:19
